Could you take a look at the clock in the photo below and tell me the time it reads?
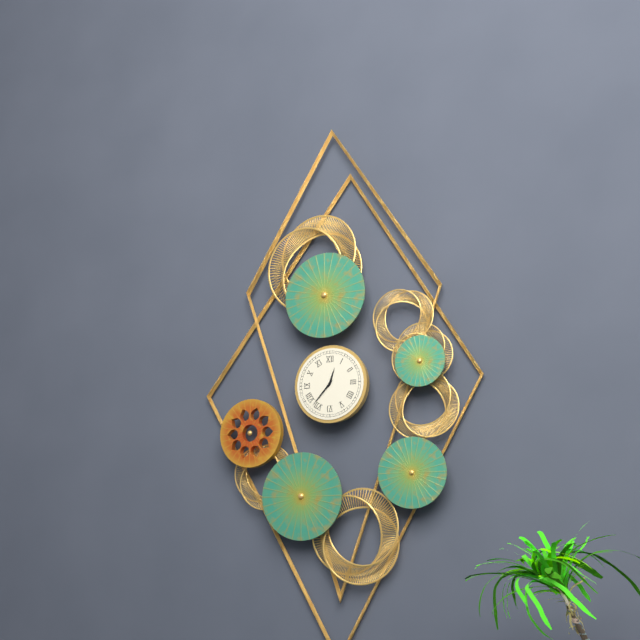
12:37
